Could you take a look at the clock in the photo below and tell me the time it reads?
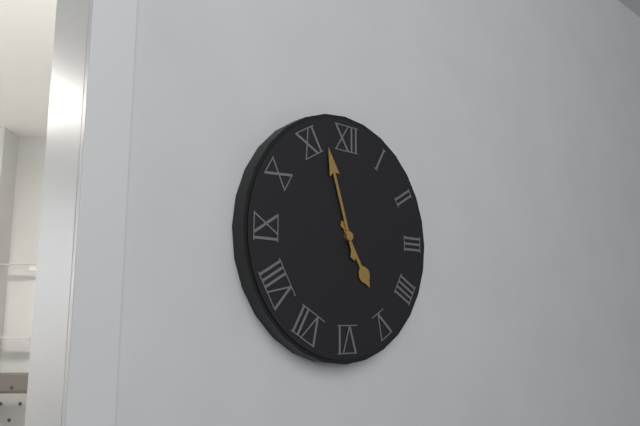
4:57
